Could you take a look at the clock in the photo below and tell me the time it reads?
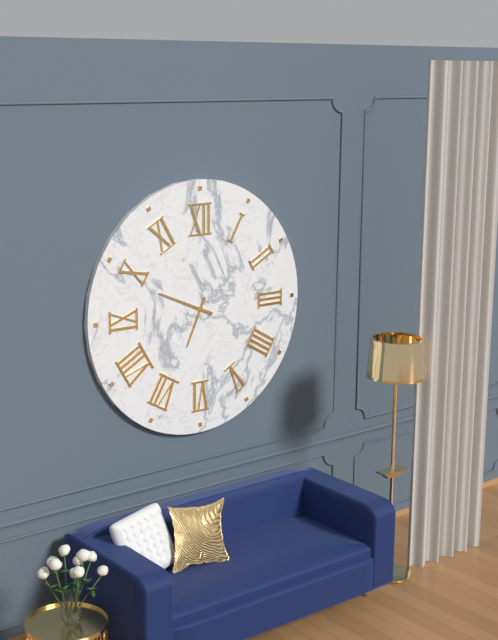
6:49
